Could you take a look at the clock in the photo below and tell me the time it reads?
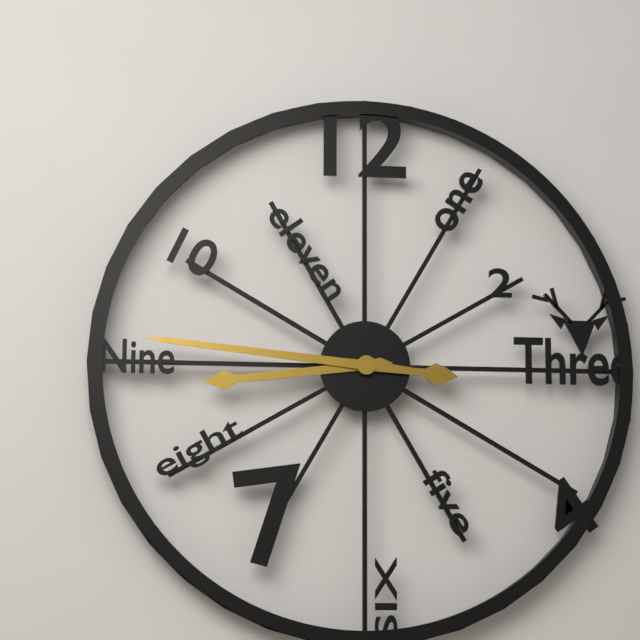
8:46
